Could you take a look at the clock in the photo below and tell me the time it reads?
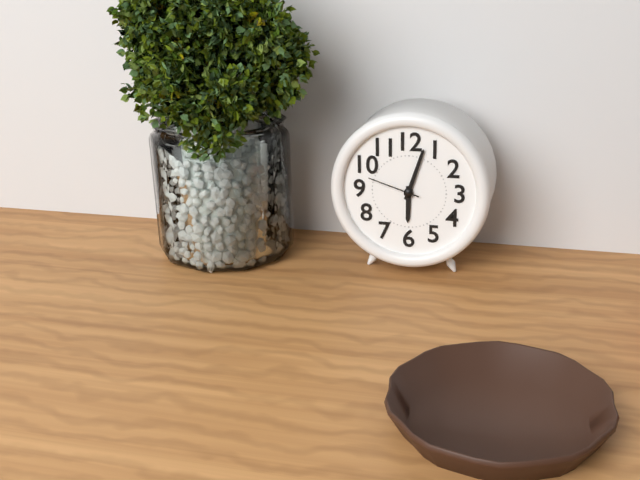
6:03:48
